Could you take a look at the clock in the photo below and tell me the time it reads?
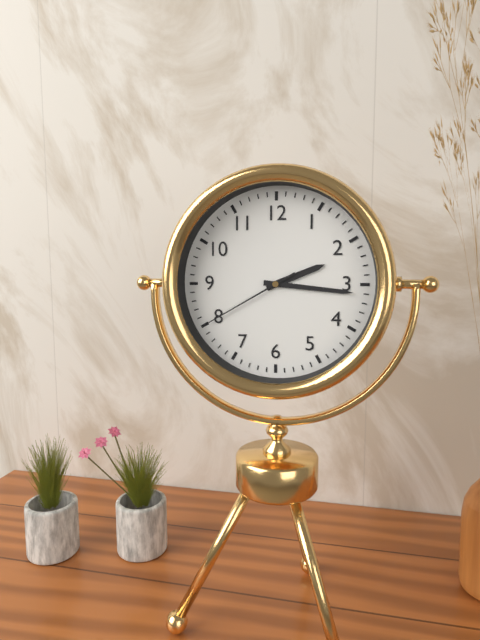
2:16:40
